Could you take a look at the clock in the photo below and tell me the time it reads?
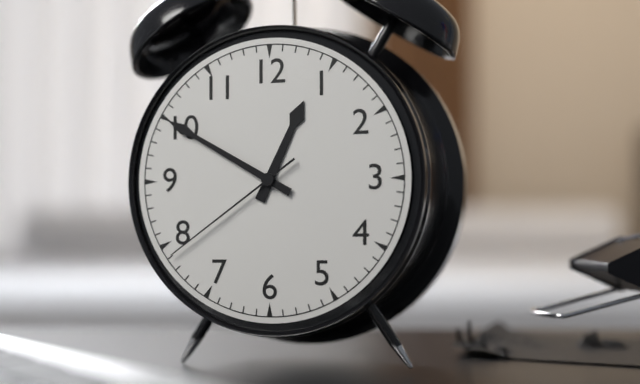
12:50:39
